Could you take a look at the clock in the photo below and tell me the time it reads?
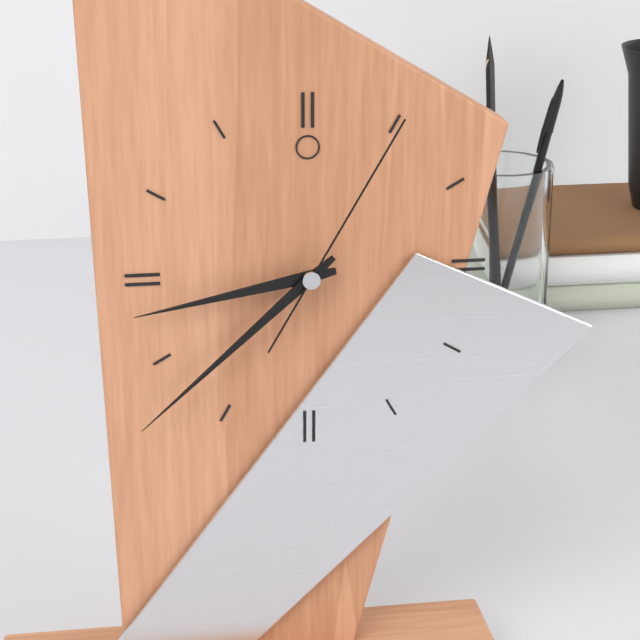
8:38:05
